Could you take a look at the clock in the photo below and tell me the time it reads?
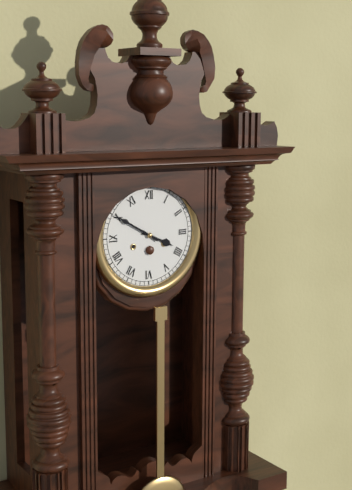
3:50
